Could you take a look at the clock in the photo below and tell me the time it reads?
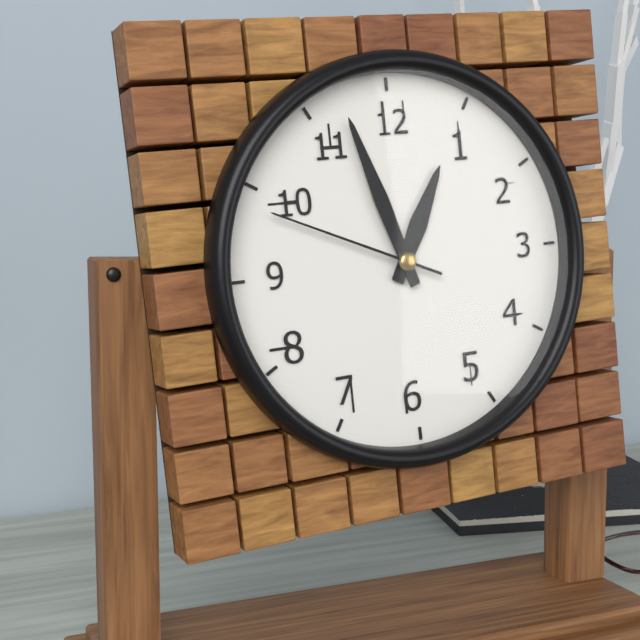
12:57:49
